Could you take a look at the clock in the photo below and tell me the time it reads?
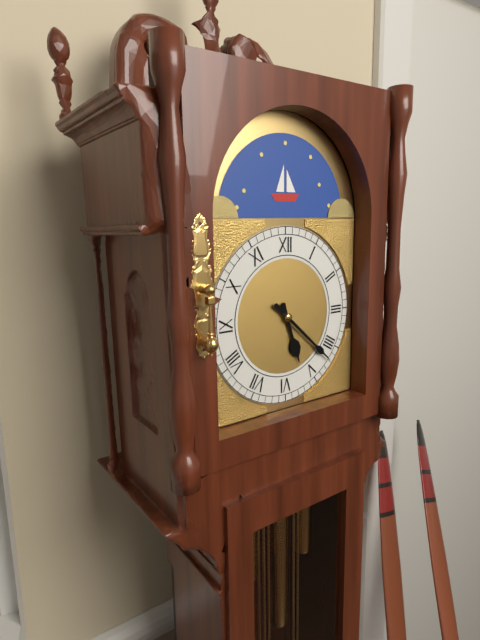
5:22
